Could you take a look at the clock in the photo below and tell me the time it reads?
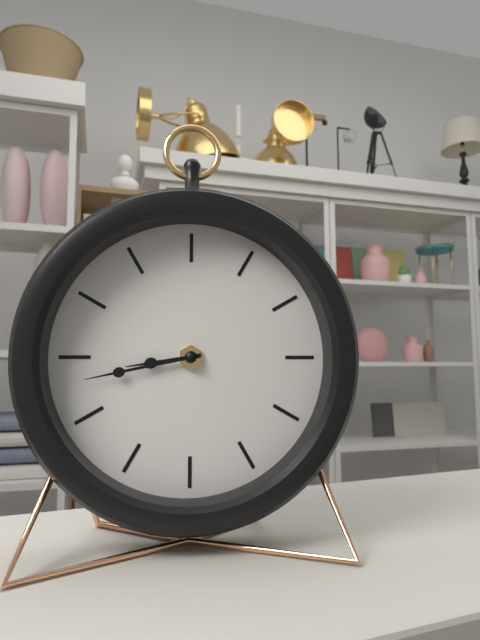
8:43
